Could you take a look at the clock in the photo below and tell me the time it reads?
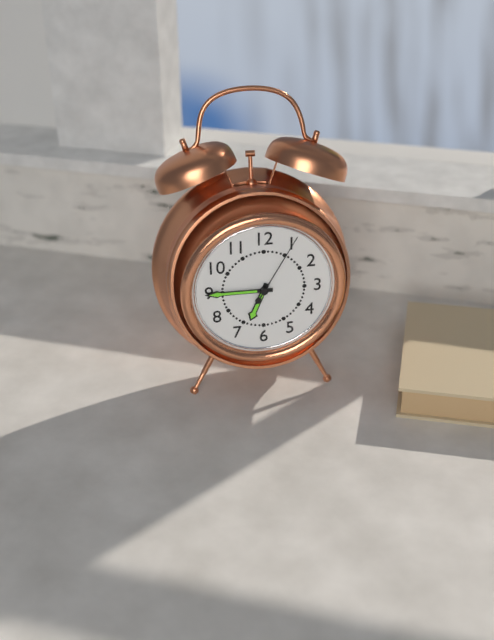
6:45:05
